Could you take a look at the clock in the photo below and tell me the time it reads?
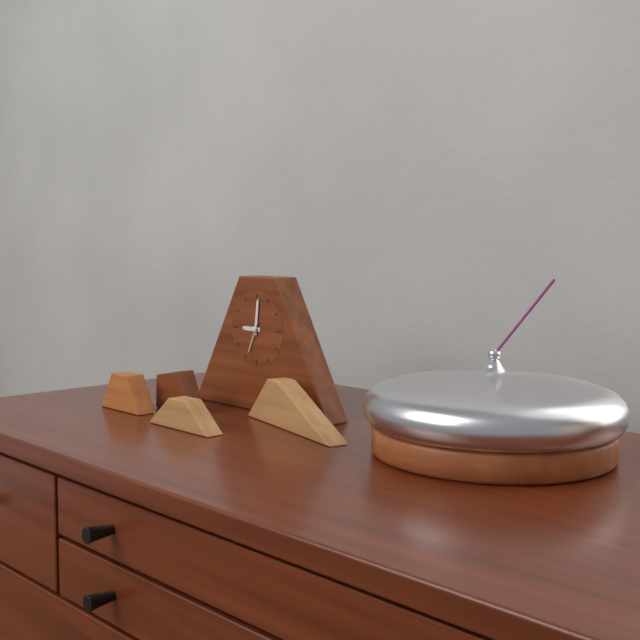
9:01
